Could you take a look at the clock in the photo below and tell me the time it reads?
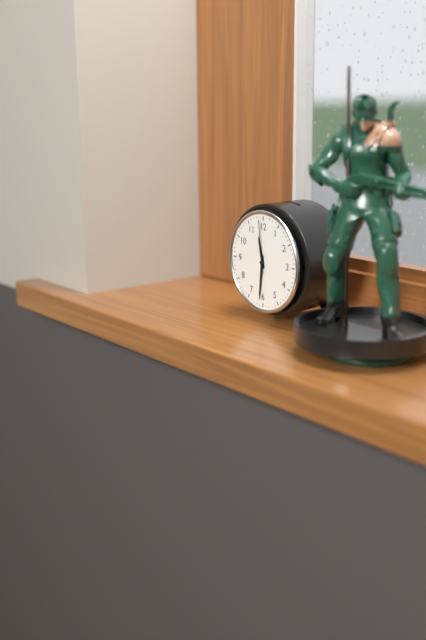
11:31:59
